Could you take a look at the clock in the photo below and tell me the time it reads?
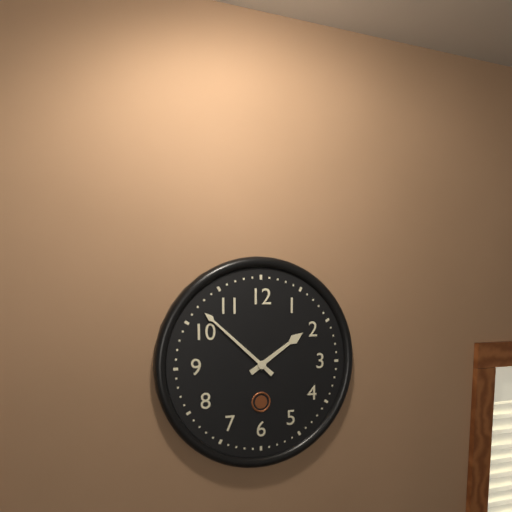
1:52
